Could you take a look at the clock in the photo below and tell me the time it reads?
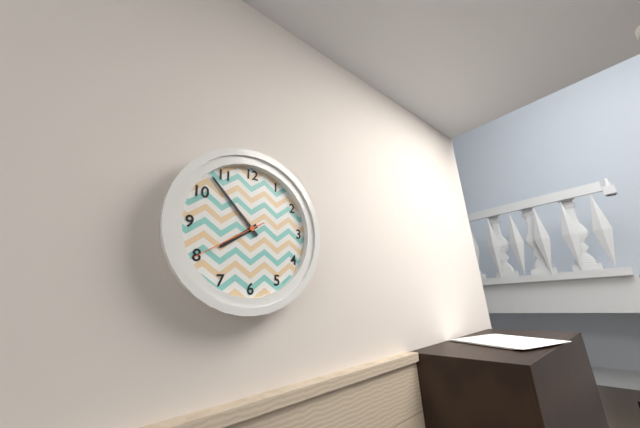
7:53:40
